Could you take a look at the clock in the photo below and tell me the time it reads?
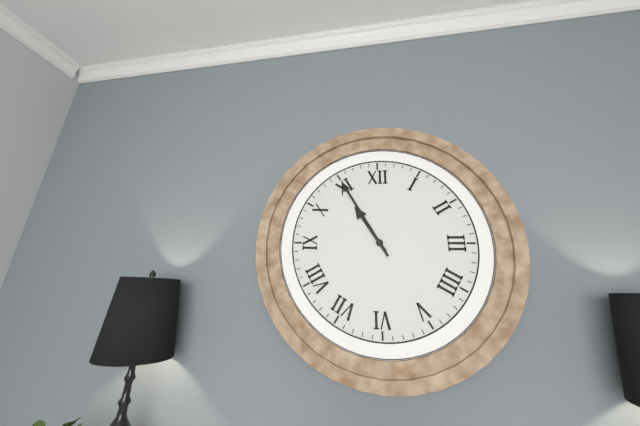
10:55
